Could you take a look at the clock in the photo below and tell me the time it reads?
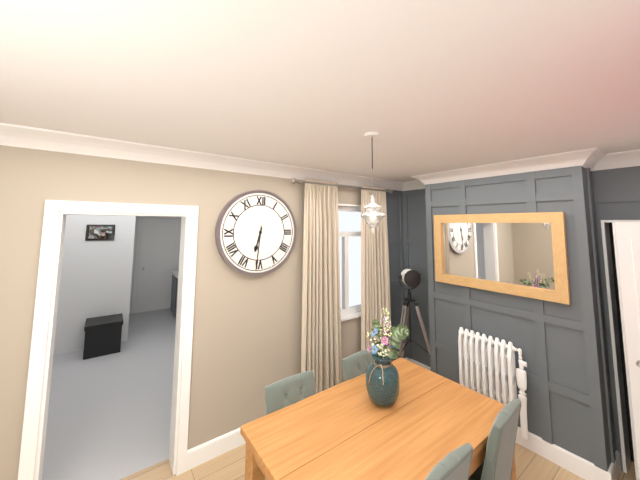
6:31
